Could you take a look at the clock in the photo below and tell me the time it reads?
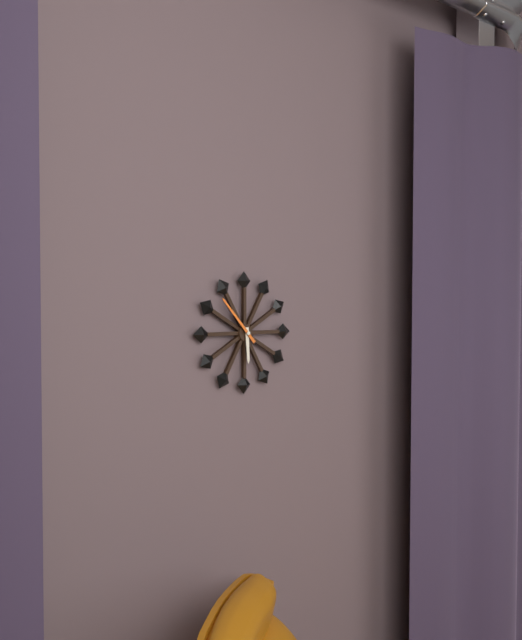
5:53
